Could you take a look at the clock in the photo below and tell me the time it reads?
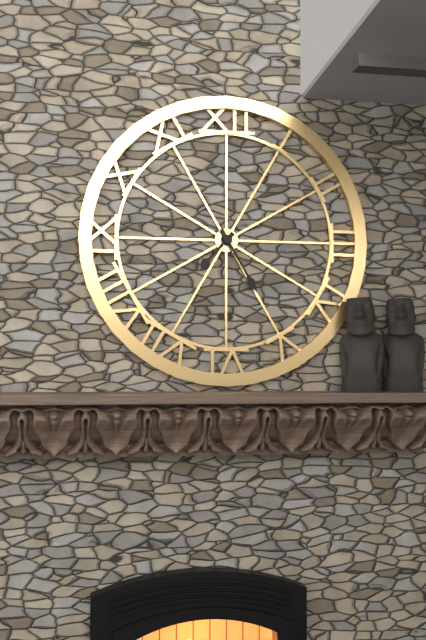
7:25
